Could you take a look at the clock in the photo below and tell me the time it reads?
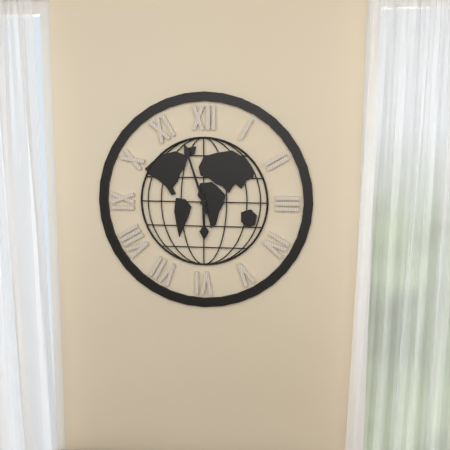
5:57
